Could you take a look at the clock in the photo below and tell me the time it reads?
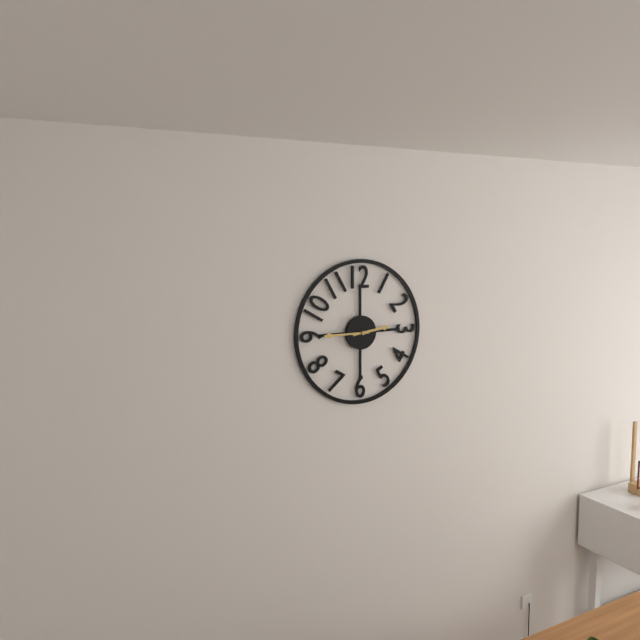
2:45
